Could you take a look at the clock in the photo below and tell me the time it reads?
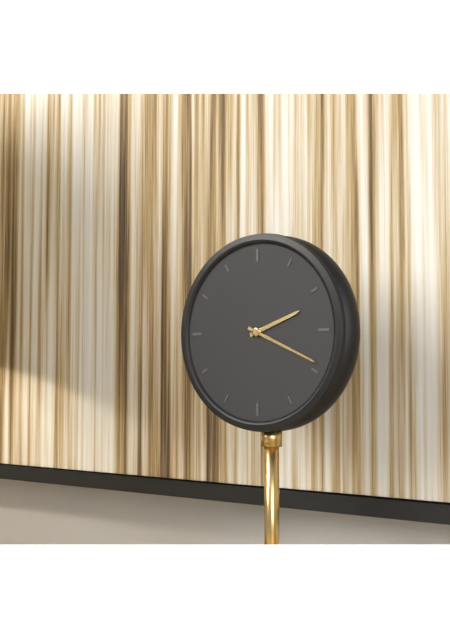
2:19
